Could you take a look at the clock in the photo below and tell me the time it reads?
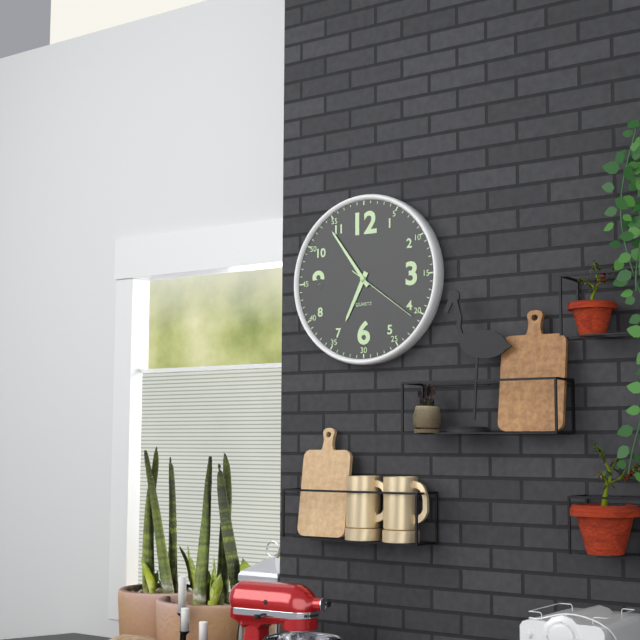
6:54:21
